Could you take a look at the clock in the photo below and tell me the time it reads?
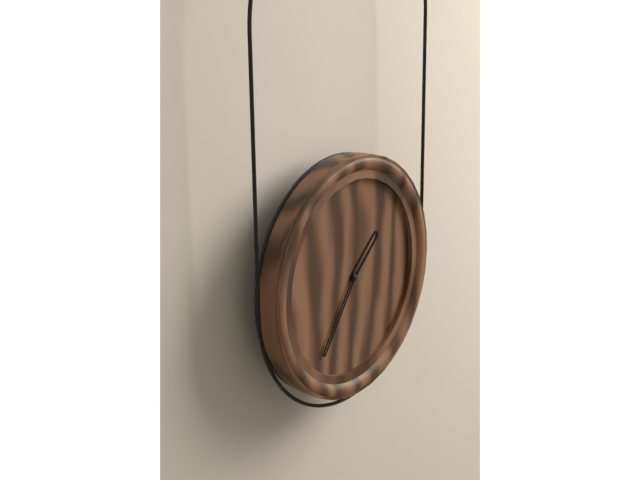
1:36
